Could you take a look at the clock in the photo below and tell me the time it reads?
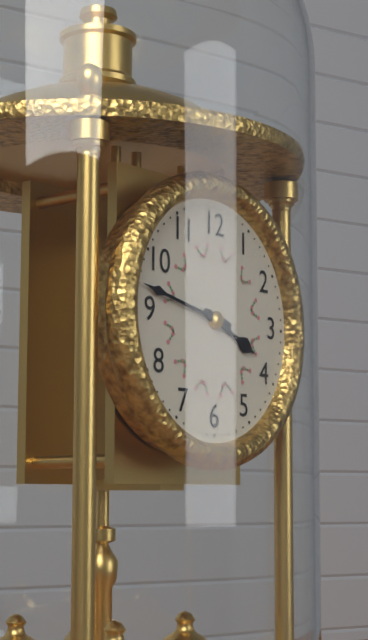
3:47
